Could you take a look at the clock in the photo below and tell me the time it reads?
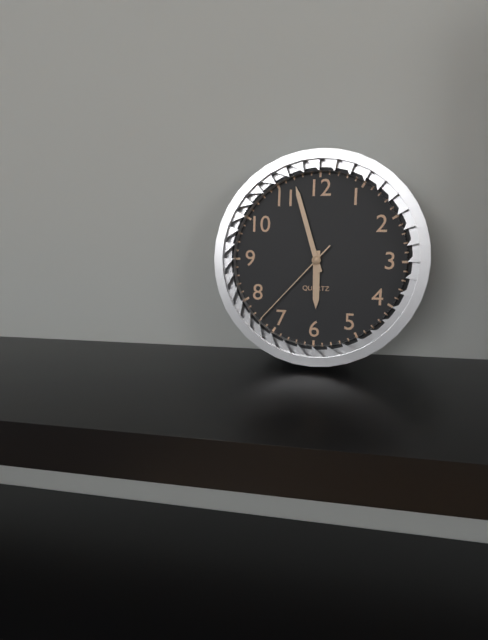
5:57:37
